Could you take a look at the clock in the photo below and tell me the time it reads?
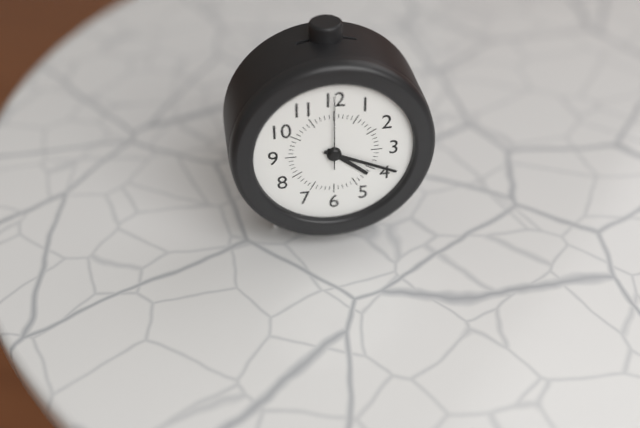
4:19:00
